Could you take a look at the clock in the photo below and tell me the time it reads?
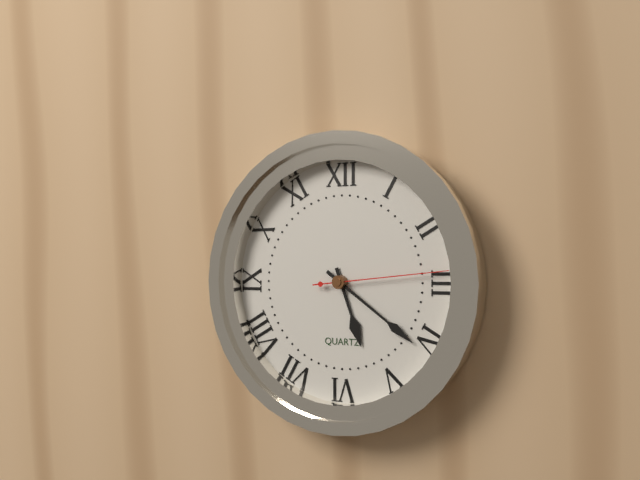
5:21:14
